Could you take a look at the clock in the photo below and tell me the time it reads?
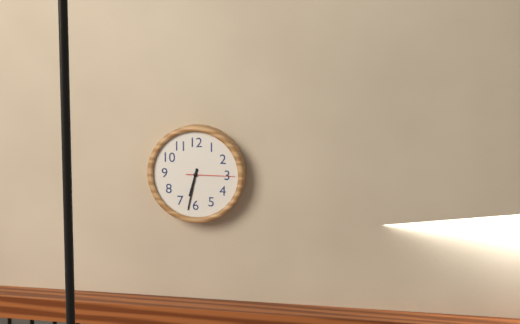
6:32
